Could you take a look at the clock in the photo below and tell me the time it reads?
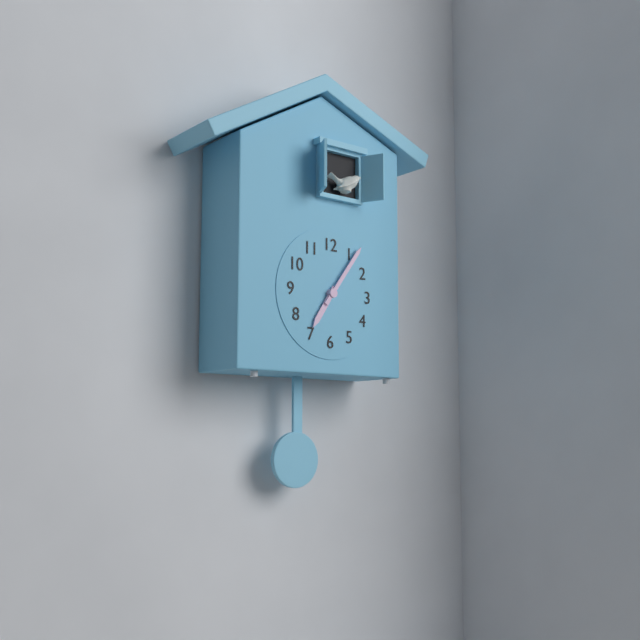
7:06
